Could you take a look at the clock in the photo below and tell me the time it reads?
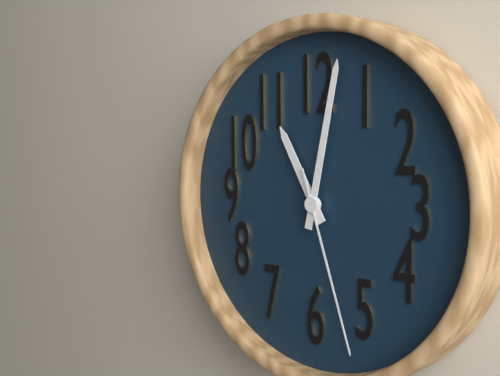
11:02:27
